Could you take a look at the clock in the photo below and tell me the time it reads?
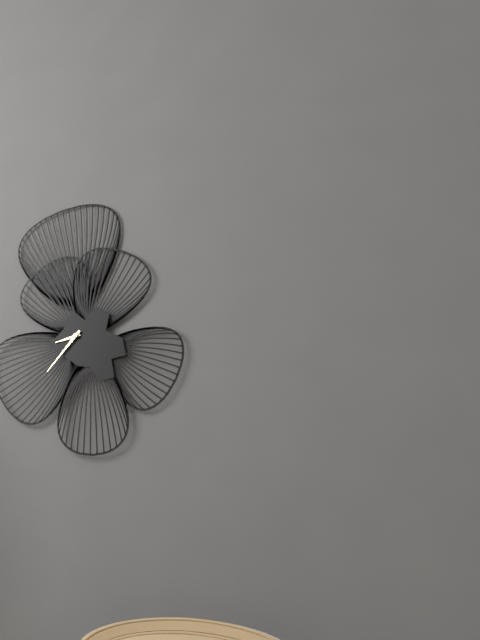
8:37
